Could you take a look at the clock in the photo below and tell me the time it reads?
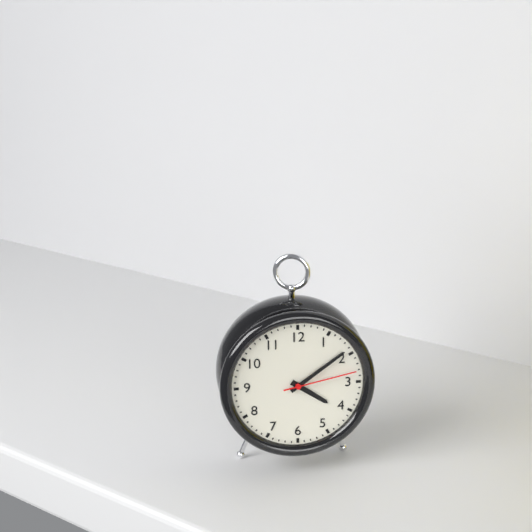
4:09:13
